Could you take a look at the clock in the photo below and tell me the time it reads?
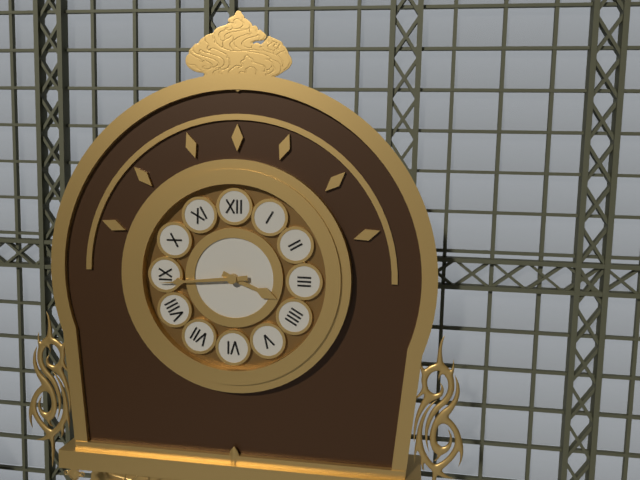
3:44
